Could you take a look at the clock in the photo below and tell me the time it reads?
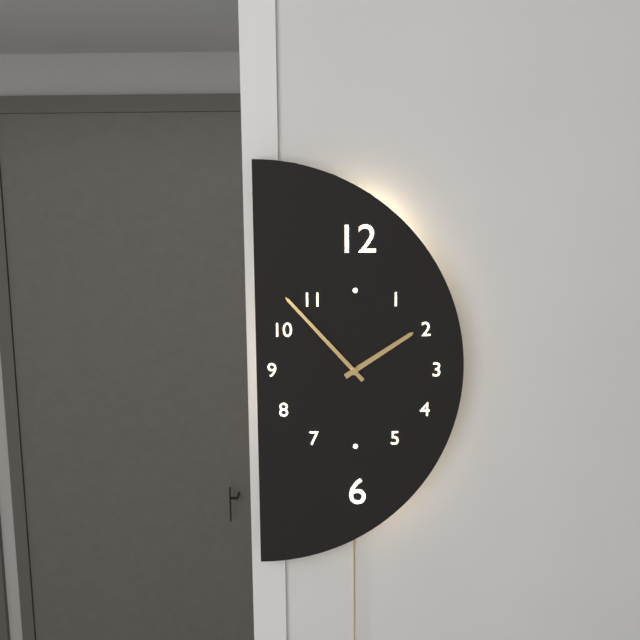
1:53
